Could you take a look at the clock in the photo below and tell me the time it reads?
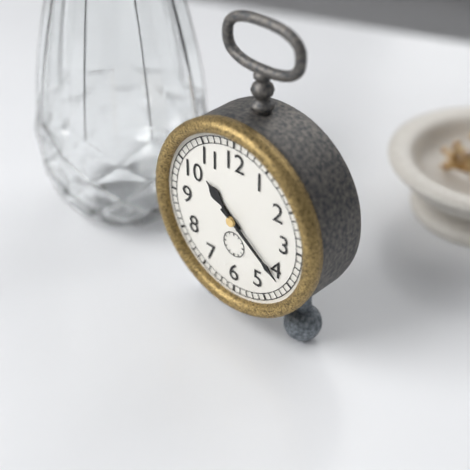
10:21
